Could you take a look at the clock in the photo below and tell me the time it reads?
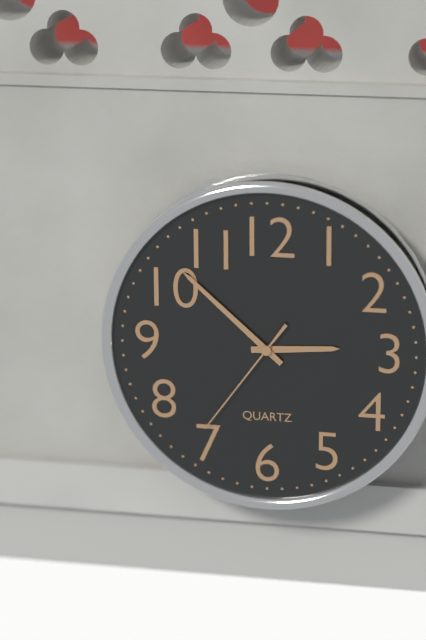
2:52:36
